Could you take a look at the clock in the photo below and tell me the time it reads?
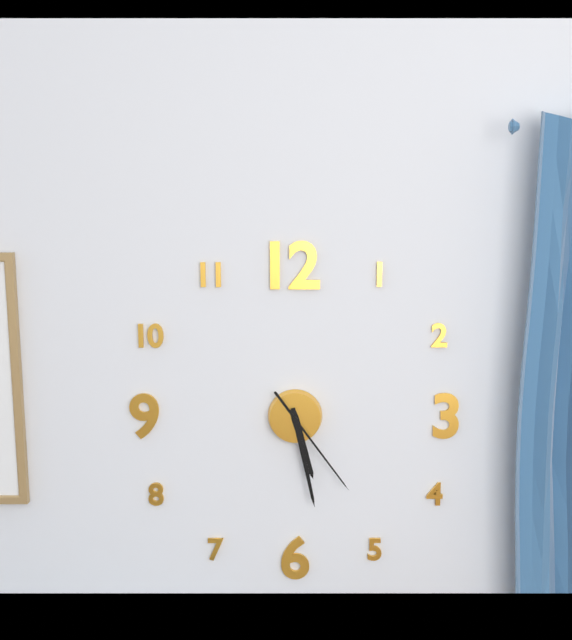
5:28:24
